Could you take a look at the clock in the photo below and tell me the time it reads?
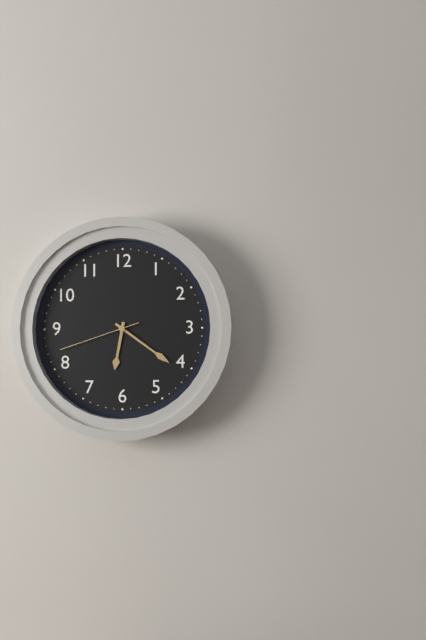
6:21:42
